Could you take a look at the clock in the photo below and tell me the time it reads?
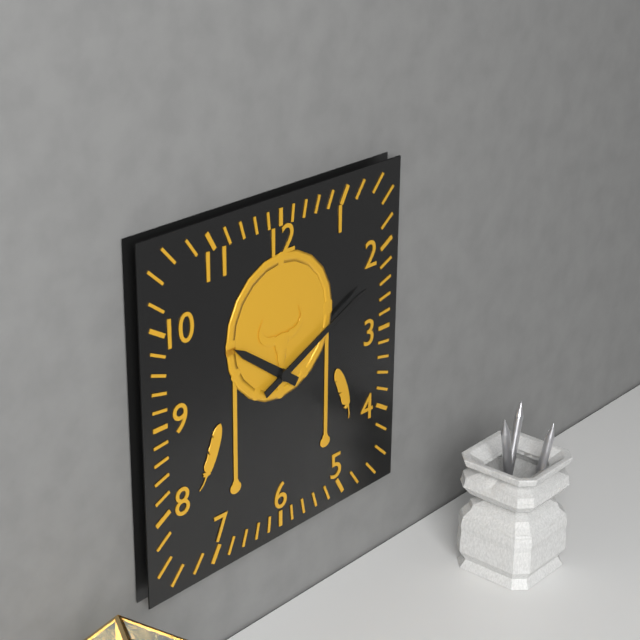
10:11
